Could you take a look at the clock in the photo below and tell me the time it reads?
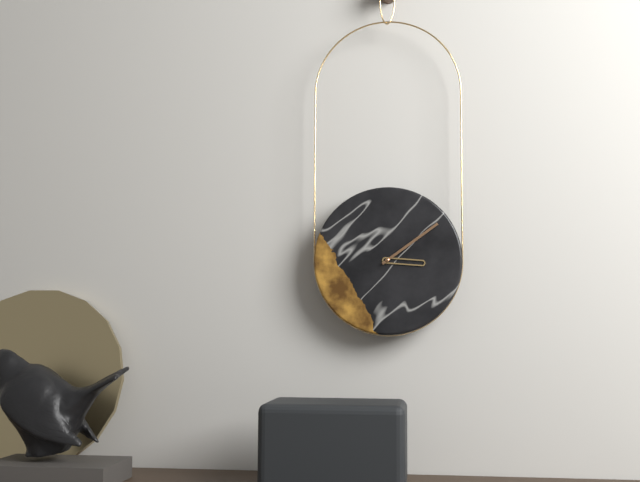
3:09
